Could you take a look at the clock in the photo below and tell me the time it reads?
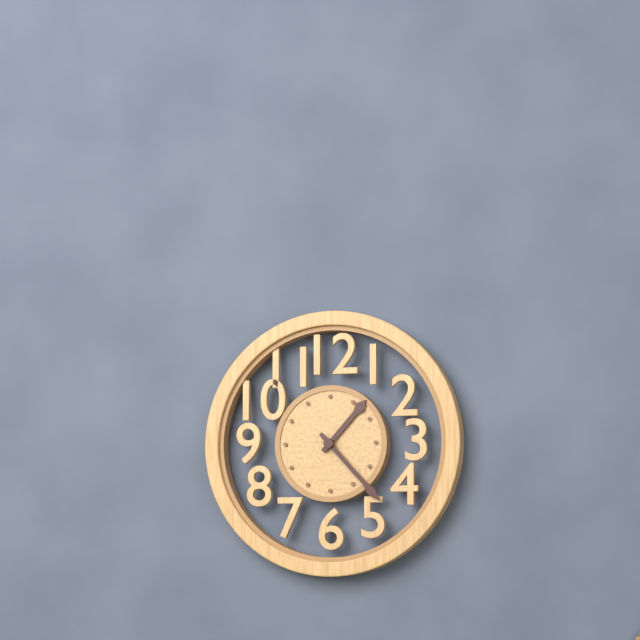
1:23
